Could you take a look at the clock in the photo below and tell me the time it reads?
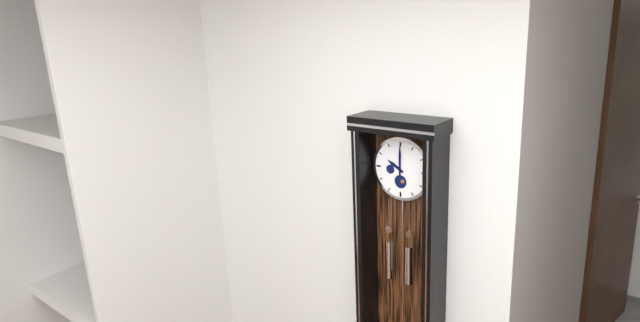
10:00
